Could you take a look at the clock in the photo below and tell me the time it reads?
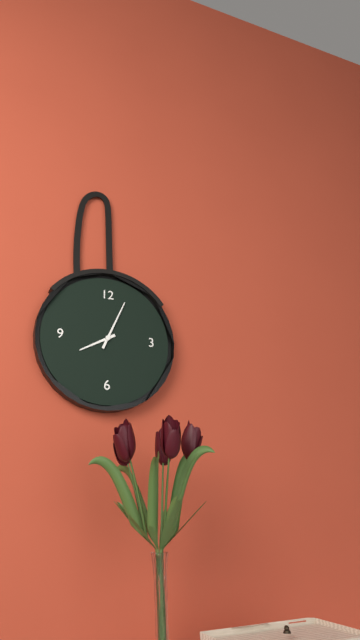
8:04
